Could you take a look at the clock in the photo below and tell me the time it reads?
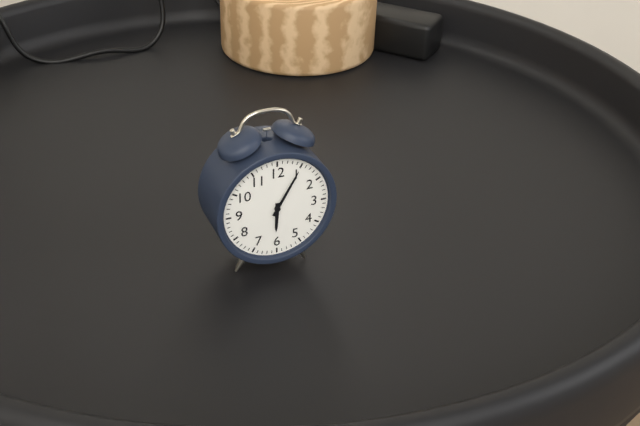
6:05
